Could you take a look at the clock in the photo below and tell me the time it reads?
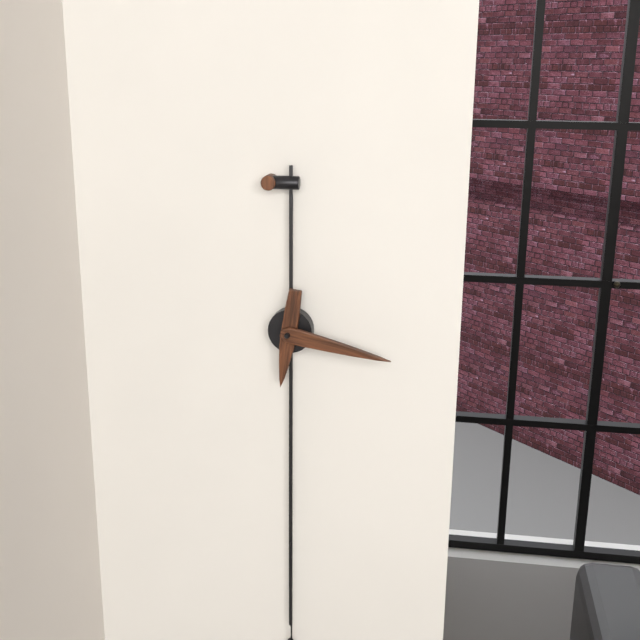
6:17
